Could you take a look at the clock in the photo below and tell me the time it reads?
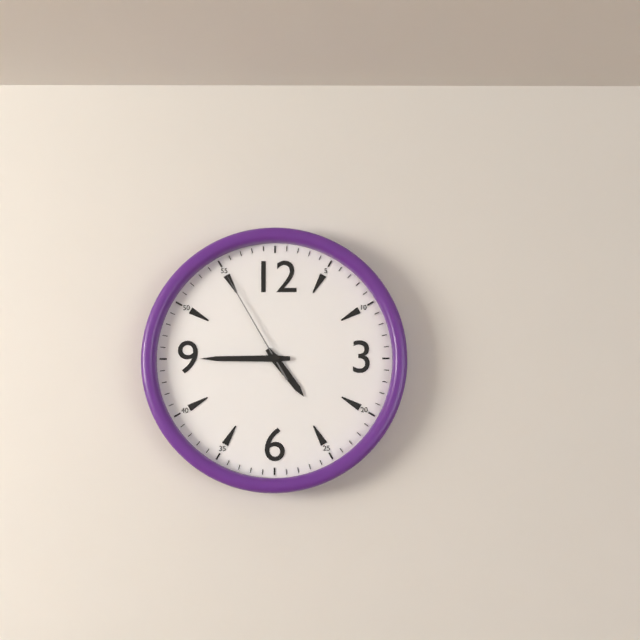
4:45:55
